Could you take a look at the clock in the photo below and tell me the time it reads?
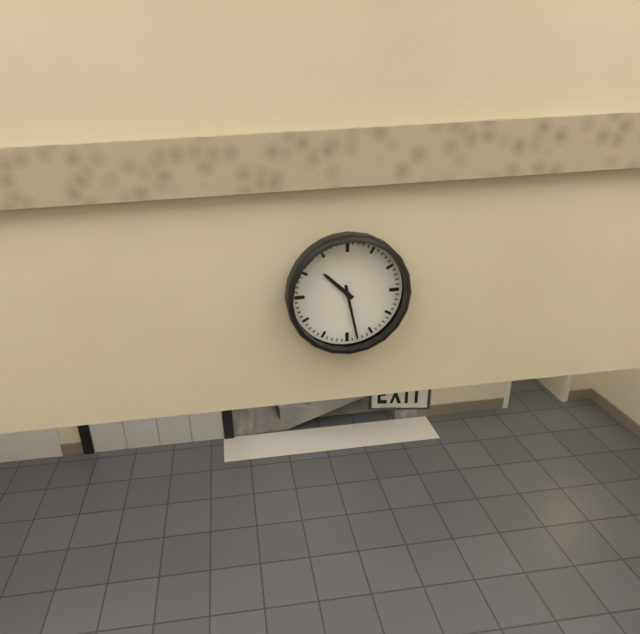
10:28
